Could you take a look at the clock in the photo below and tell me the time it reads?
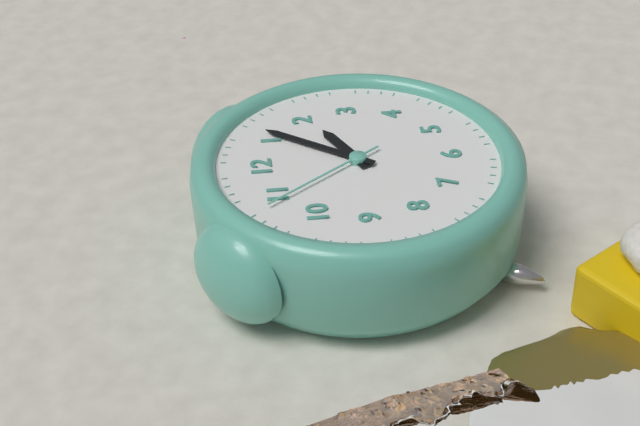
2:06:54
